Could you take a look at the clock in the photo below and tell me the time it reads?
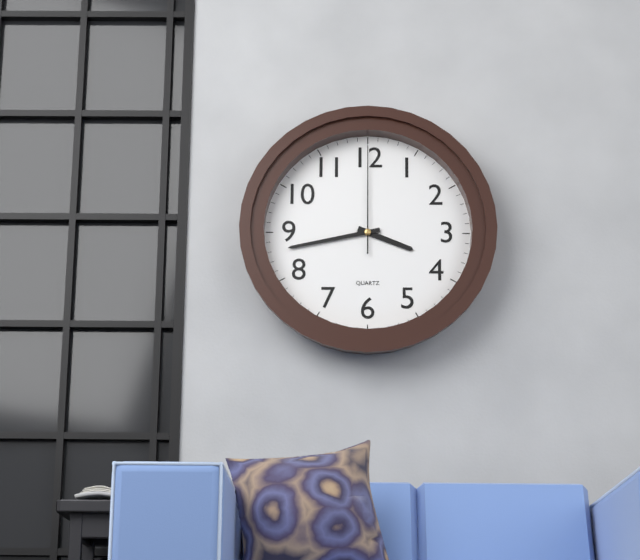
3:43:00
